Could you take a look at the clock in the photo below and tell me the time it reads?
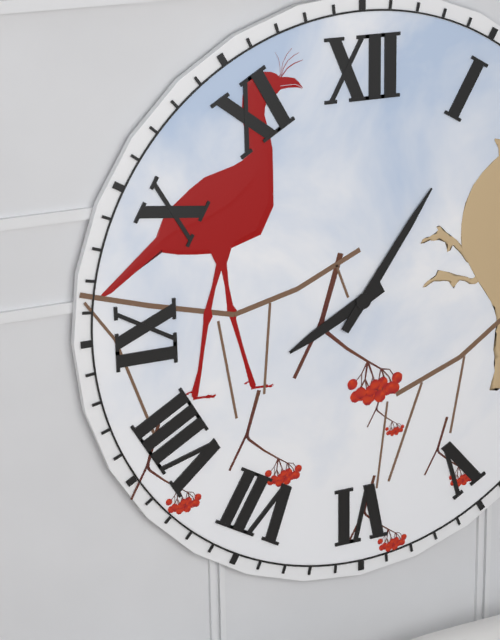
8:06
